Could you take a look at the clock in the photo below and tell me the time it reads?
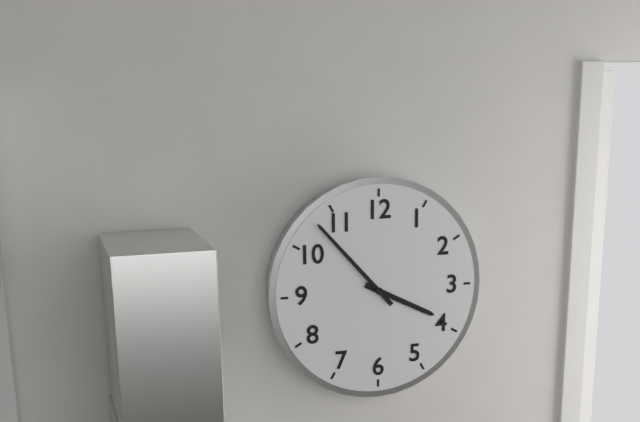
3:53
